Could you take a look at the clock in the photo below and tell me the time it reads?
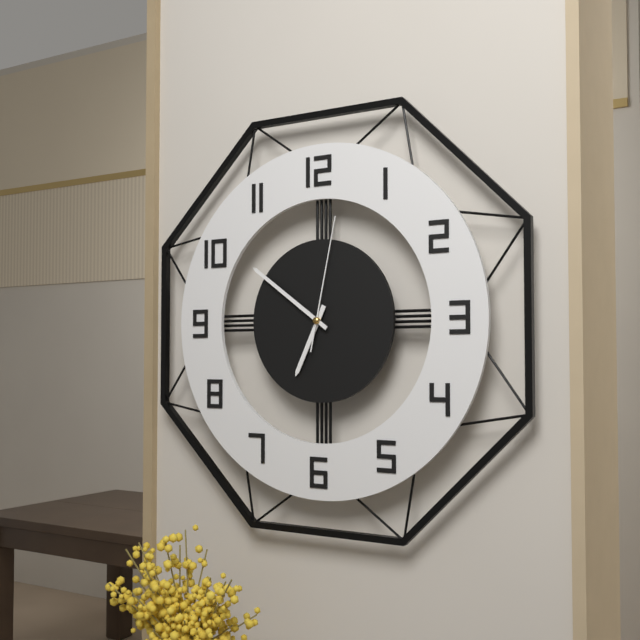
6:51:02
